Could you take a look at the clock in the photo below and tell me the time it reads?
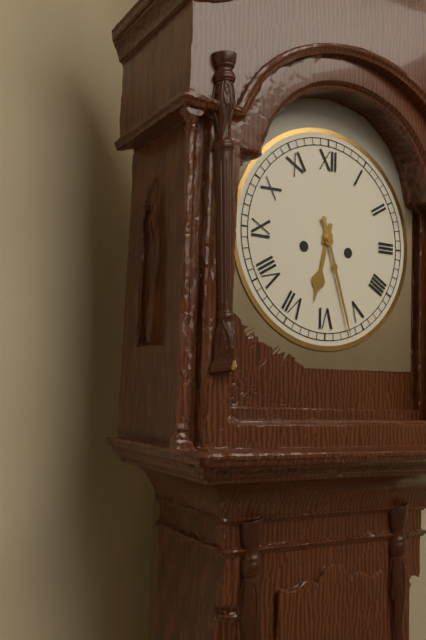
6:27
